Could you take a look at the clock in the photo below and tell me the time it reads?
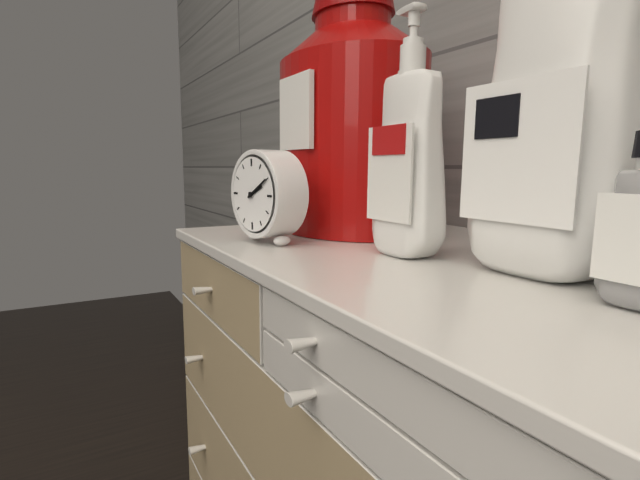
2:10
